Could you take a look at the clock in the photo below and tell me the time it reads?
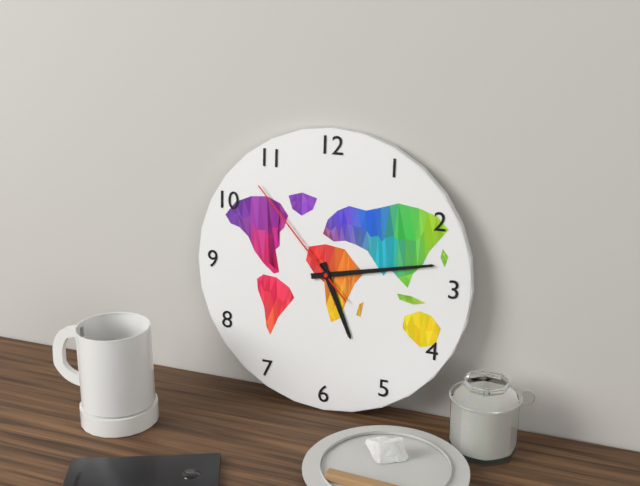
5:13:53
